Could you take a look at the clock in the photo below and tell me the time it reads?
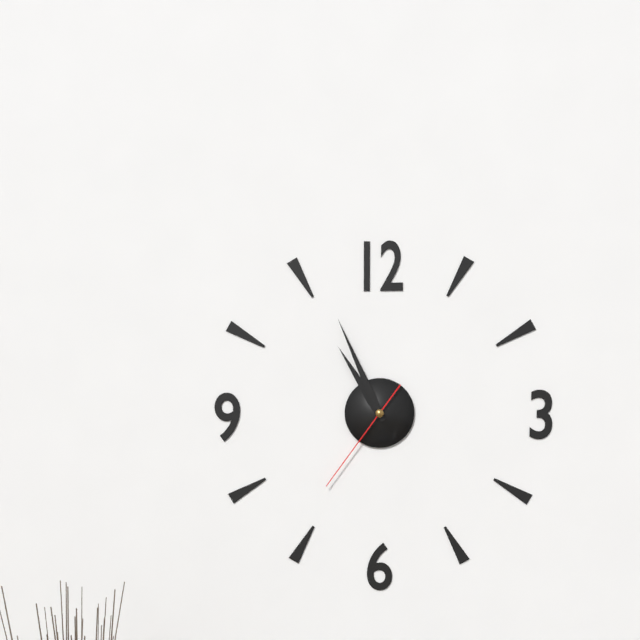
10:56:36
